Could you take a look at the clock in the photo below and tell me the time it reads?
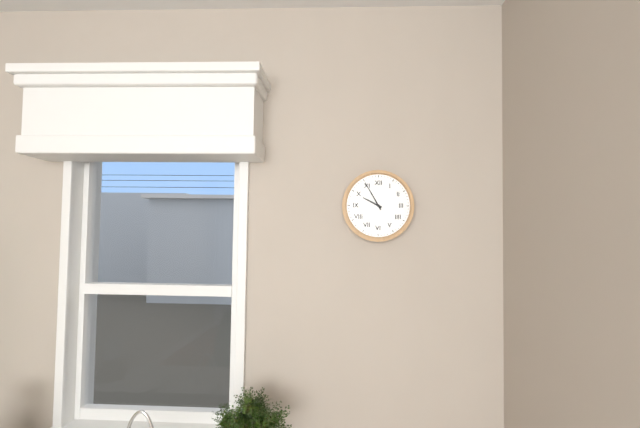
9:55
